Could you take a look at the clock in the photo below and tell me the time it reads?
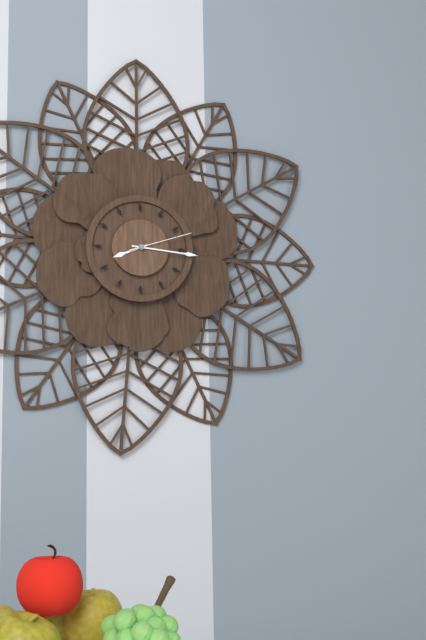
8:16:12
